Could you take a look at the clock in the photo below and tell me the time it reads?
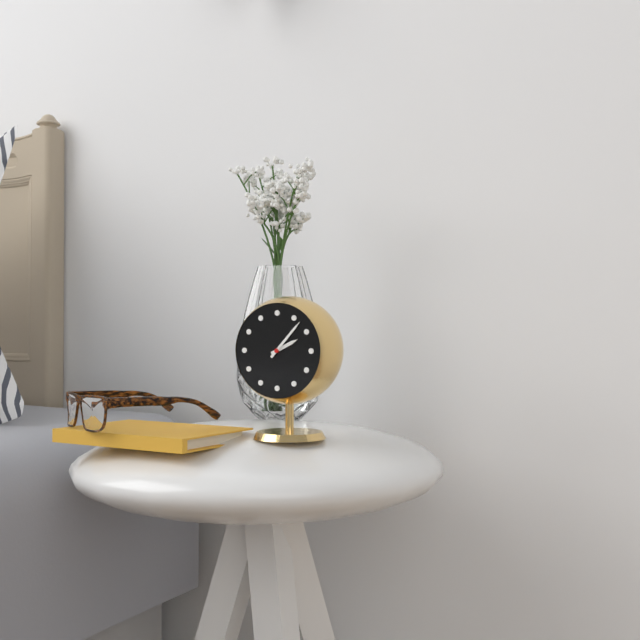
2:07
